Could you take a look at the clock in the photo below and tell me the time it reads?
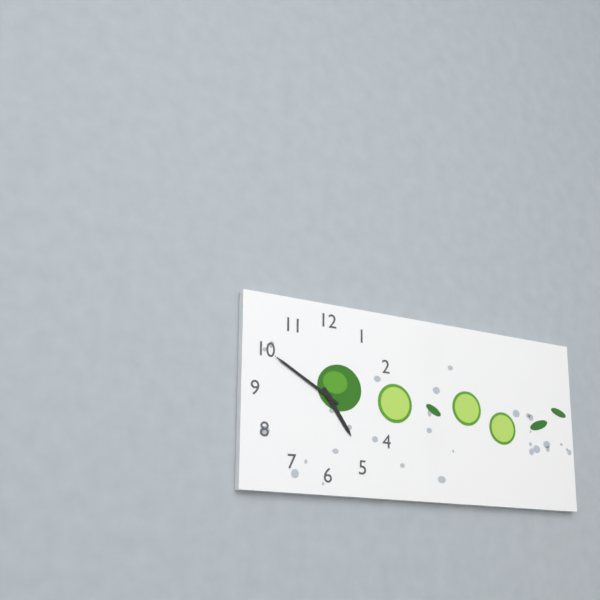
4:50
